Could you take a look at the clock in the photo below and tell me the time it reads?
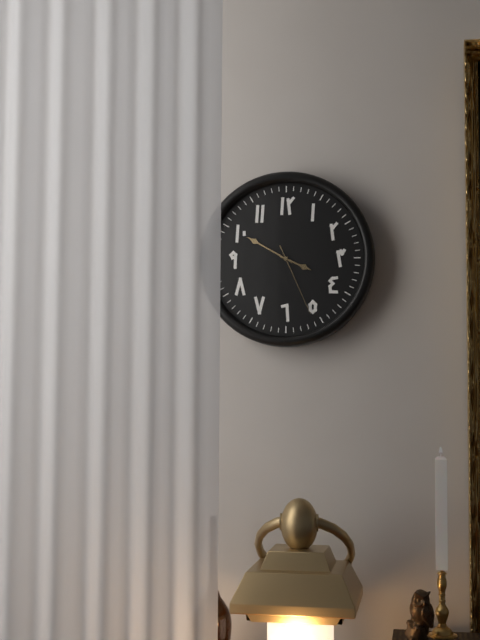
3:50:26
